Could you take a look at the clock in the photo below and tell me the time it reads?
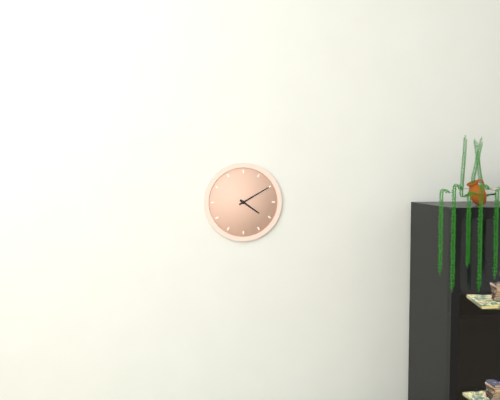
4:10
